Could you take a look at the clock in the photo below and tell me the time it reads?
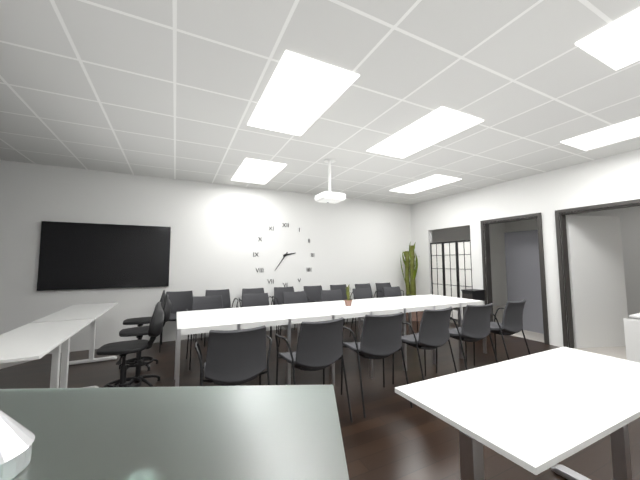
2:36
